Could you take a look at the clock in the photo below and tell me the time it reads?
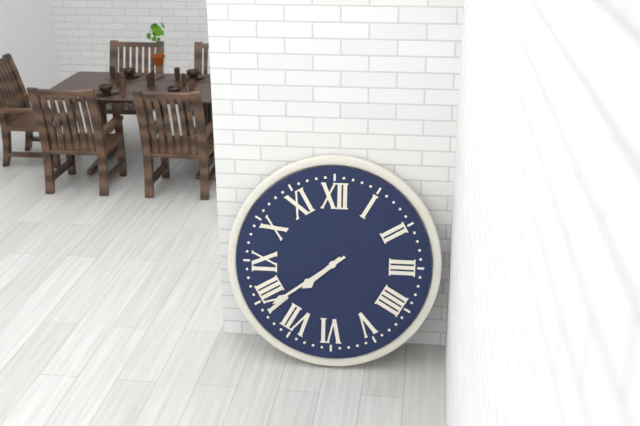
7:39
